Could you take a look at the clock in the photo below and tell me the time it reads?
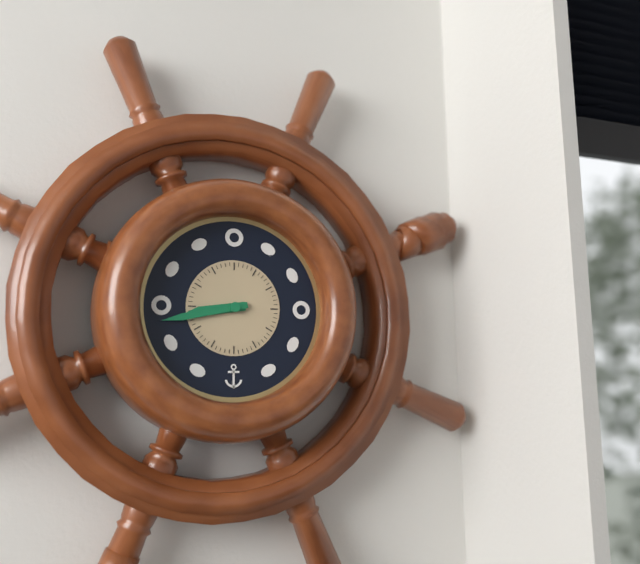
8:43
